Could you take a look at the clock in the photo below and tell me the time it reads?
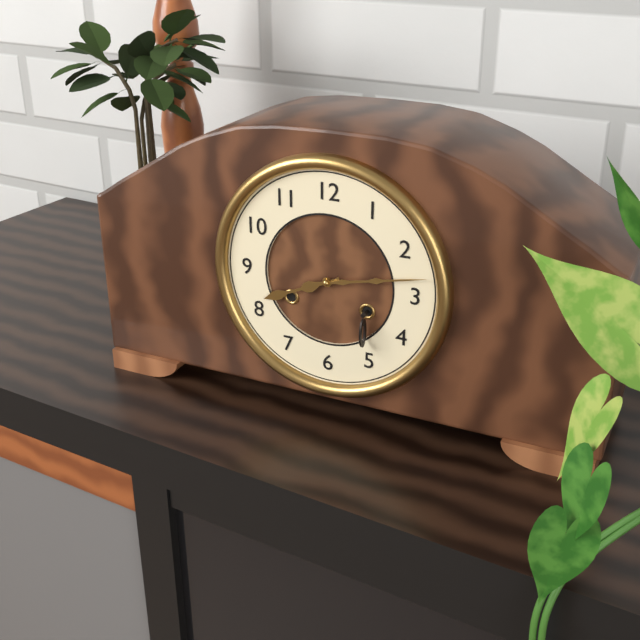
8:13
